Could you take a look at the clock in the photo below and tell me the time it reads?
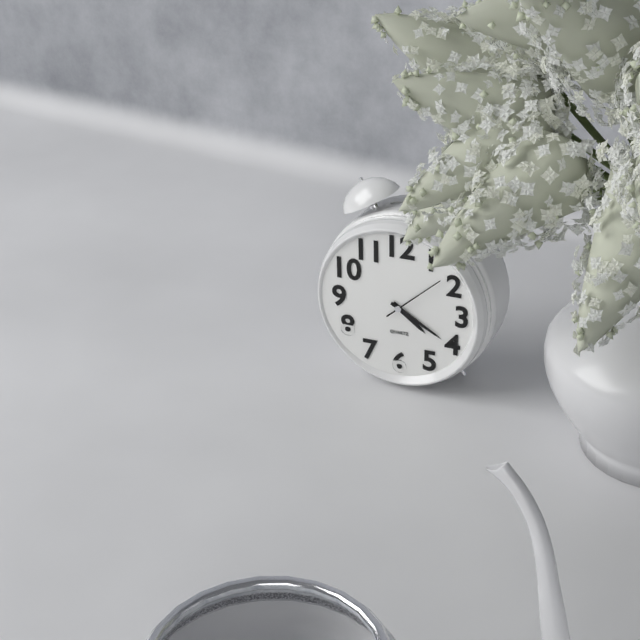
4:20:08
